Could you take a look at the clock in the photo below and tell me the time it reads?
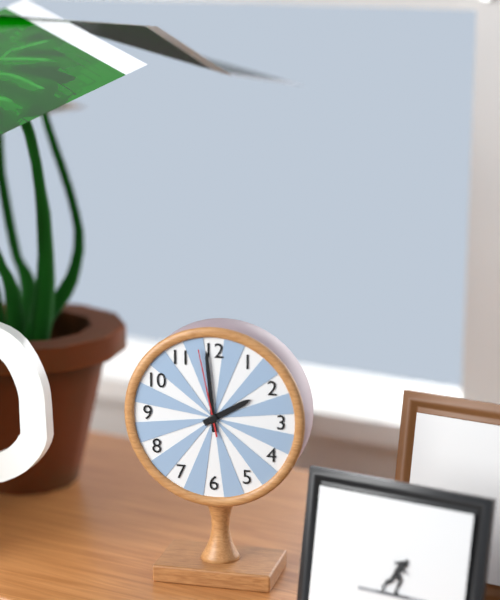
1:59:58
